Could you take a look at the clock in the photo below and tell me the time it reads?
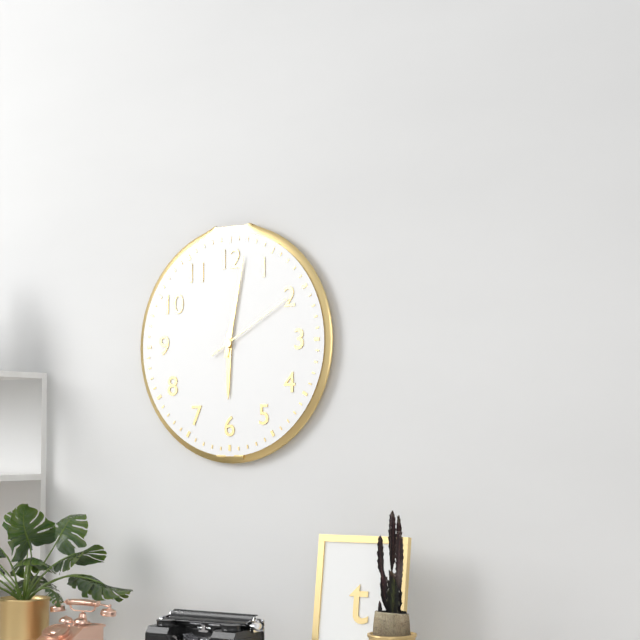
6:02:10
